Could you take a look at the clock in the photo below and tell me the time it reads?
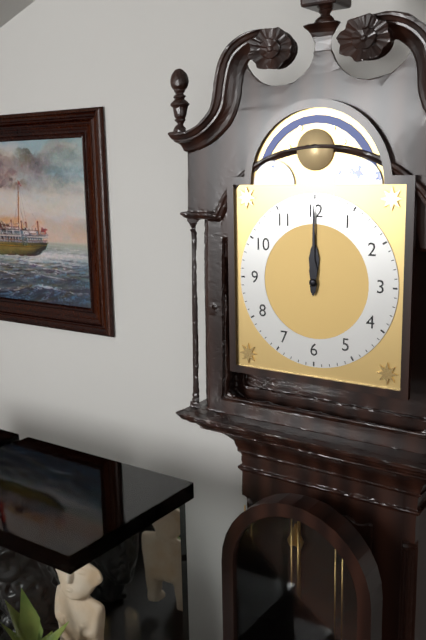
12:00
